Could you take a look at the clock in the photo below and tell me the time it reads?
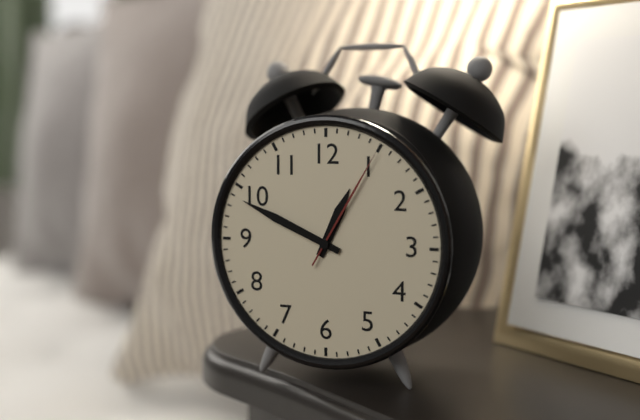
12:49:05
